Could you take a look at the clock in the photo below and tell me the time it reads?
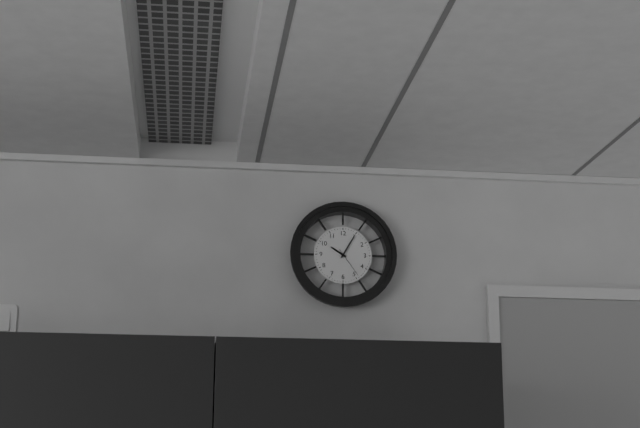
10:05
